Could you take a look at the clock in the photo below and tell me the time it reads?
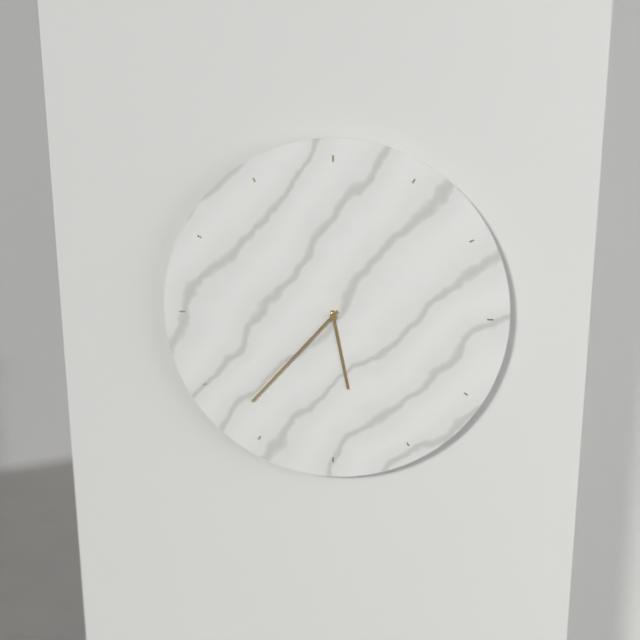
5:37
